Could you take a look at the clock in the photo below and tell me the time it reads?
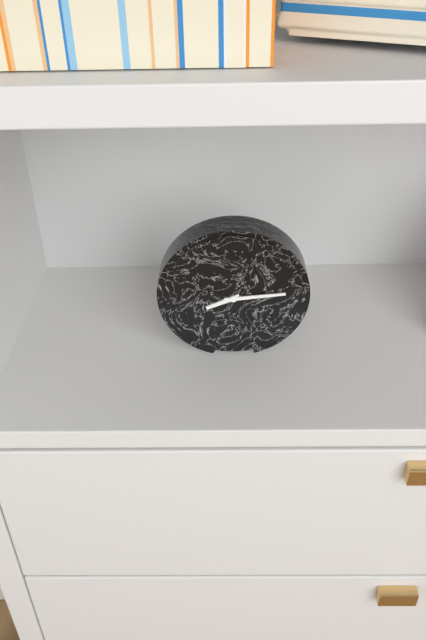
8:14
